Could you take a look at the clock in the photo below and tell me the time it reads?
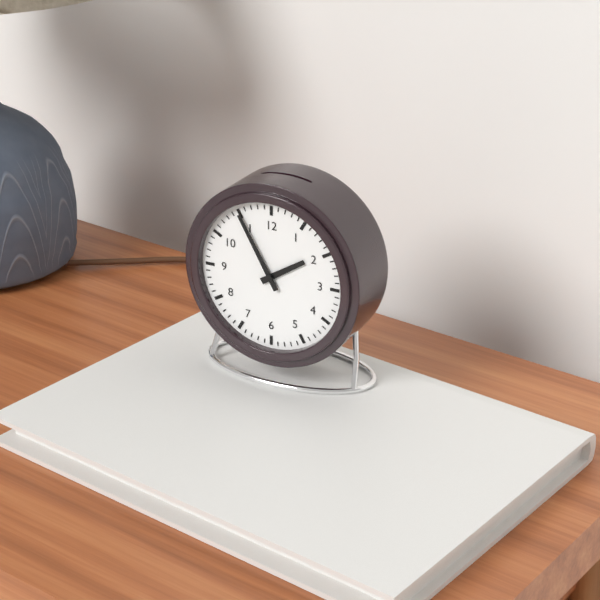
1:55
